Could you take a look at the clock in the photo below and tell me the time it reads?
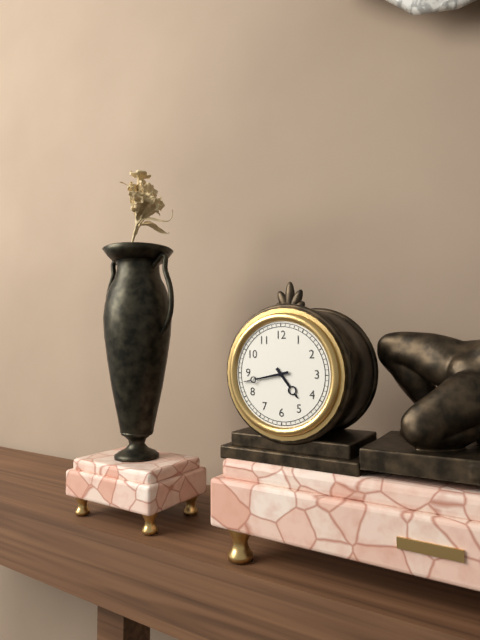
4:43
